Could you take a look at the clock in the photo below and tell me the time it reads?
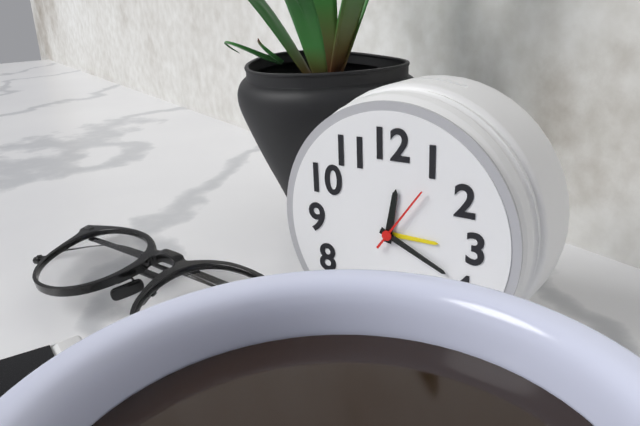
12:19:06
